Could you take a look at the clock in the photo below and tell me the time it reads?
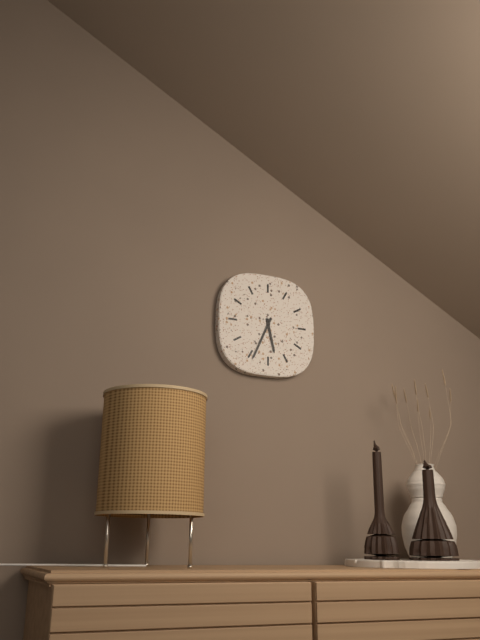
5:34
